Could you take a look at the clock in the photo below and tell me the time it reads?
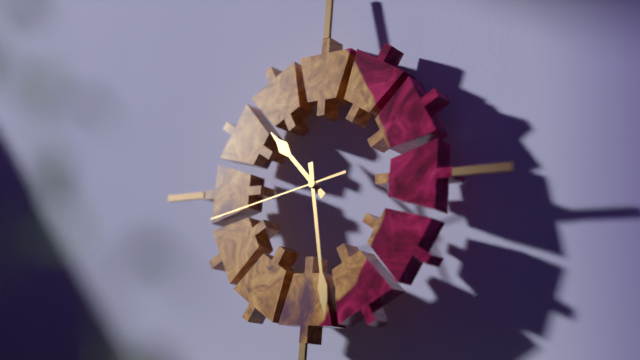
10:28:43
